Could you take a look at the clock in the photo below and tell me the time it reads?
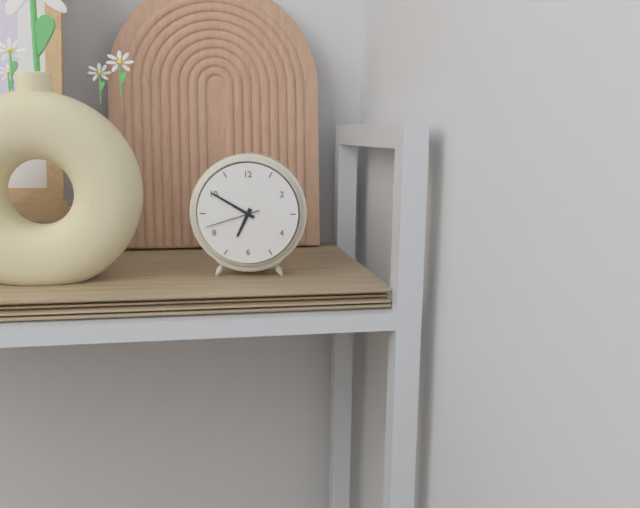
6:50:42
